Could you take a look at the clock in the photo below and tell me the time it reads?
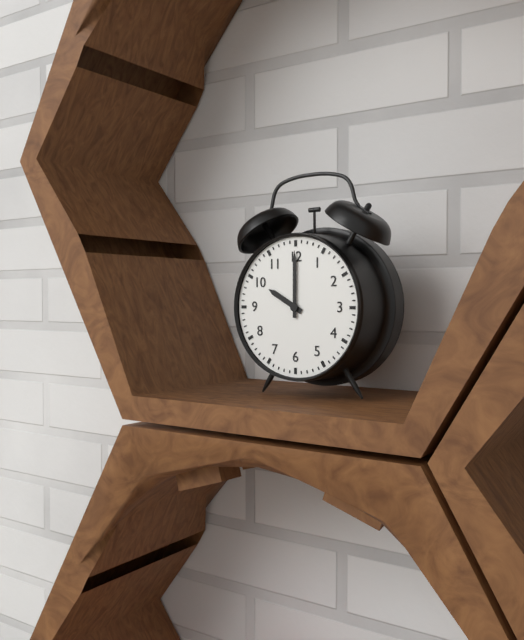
10:00
